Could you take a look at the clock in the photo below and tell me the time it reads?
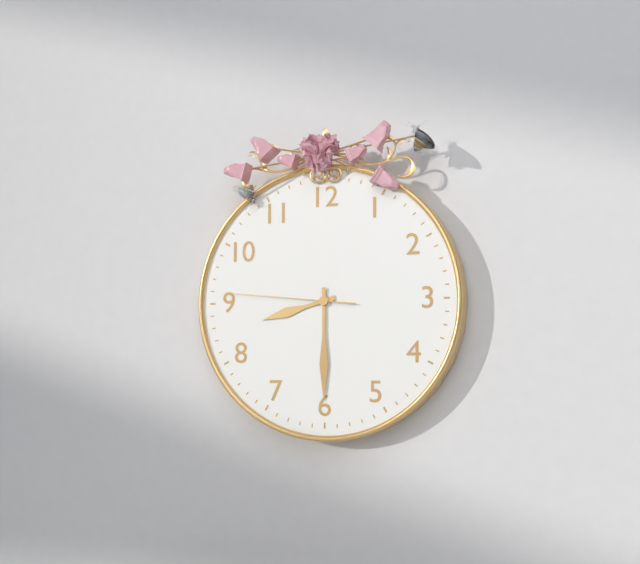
8:30:46
